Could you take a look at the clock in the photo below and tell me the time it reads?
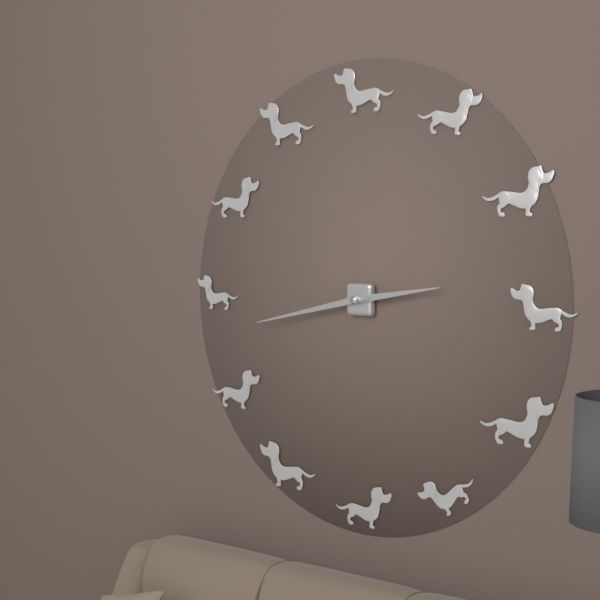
2:43
